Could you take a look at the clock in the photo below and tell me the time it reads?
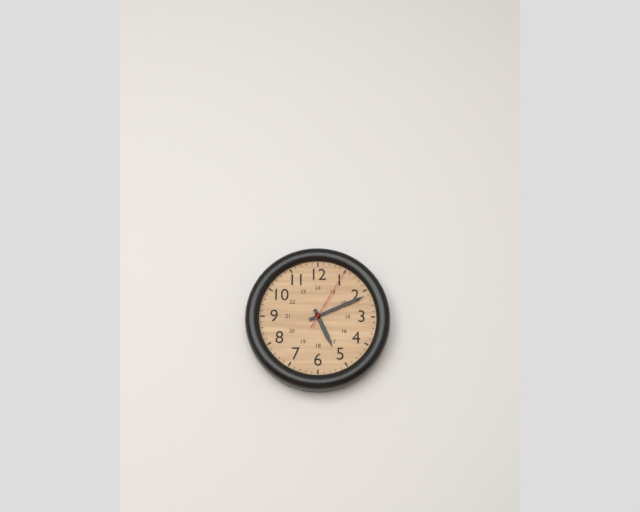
5:11:05
